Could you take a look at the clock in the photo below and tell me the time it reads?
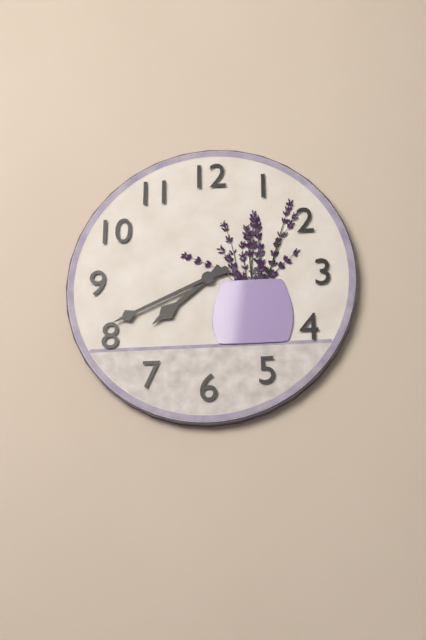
7:41
